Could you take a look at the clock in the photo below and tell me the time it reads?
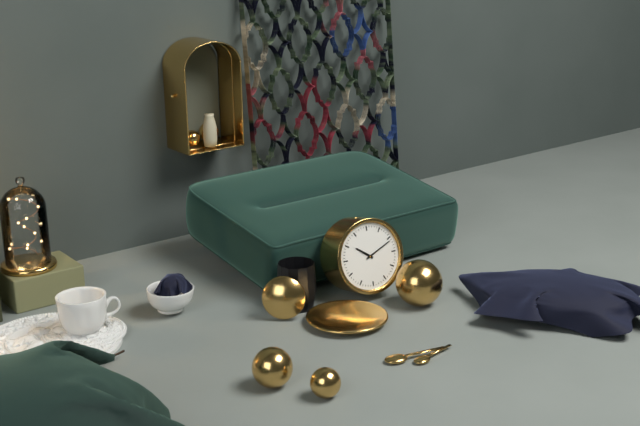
10:11
